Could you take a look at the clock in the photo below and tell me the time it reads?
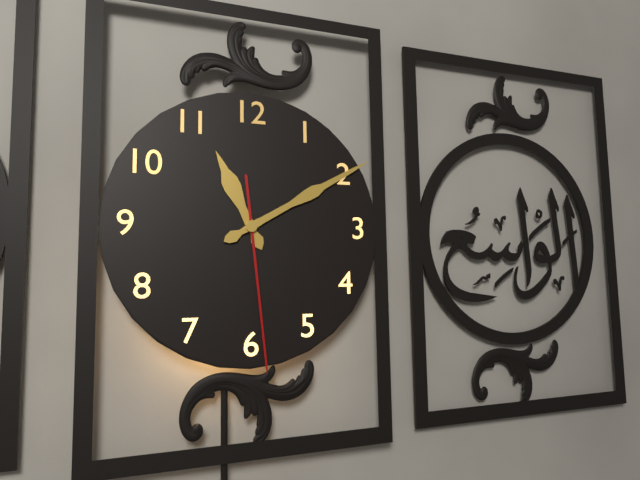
11:10:29
